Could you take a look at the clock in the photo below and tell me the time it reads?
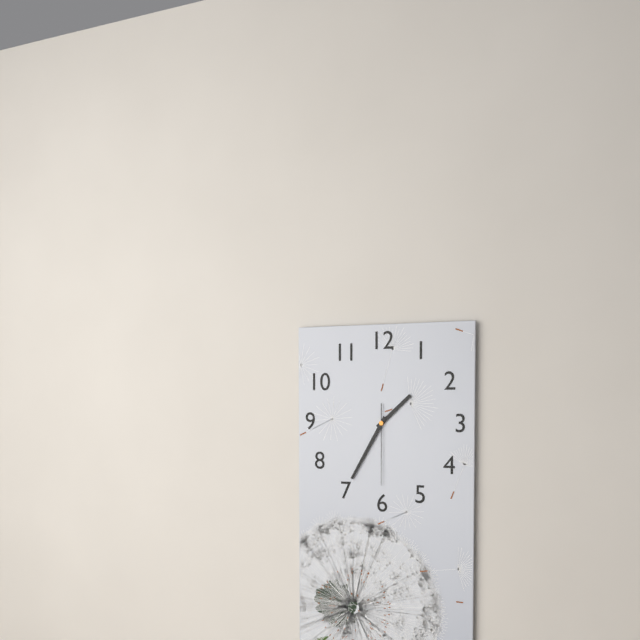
1:35:30
